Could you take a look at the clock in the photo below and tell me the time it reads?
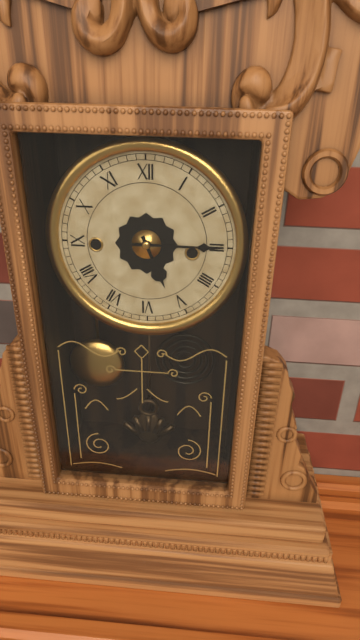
5:15
